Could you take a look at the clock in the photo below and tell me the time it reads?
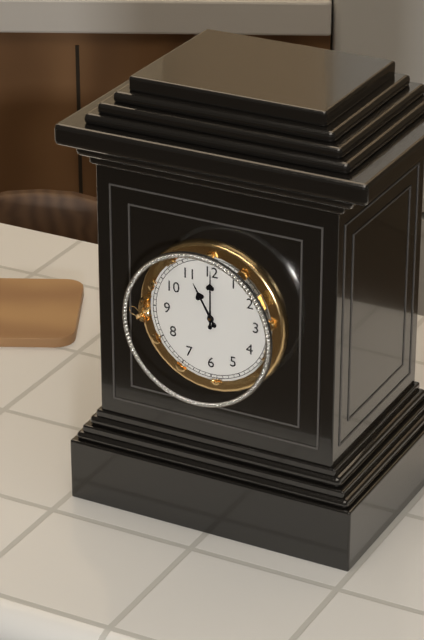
11:00
